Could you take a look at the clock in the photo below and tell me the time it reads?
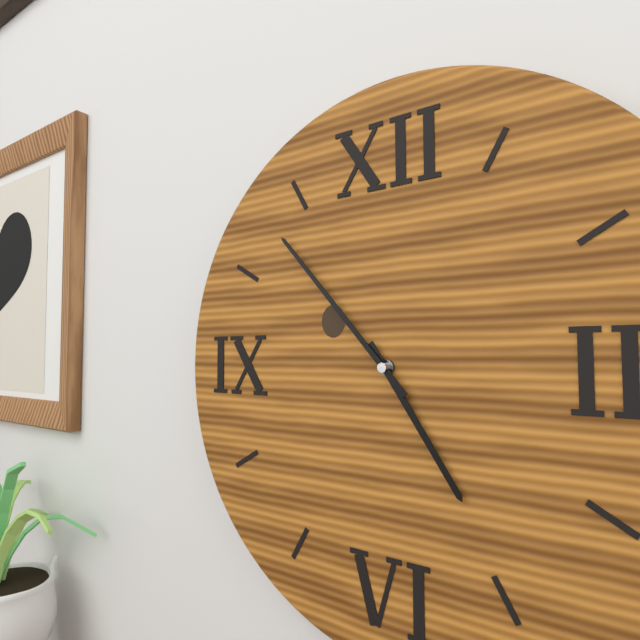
4:53
